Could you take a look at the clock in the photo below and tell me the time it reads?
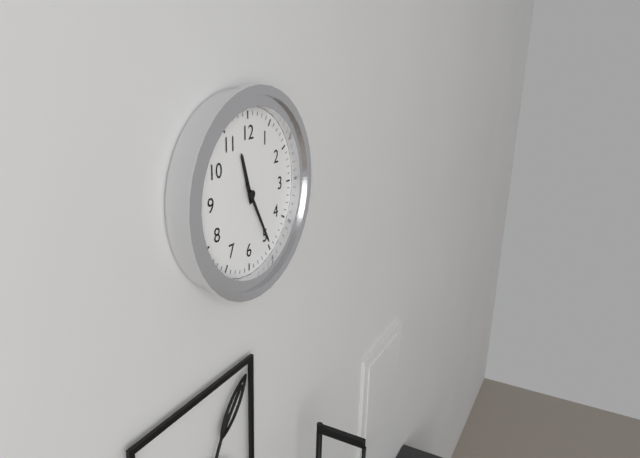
11:25
